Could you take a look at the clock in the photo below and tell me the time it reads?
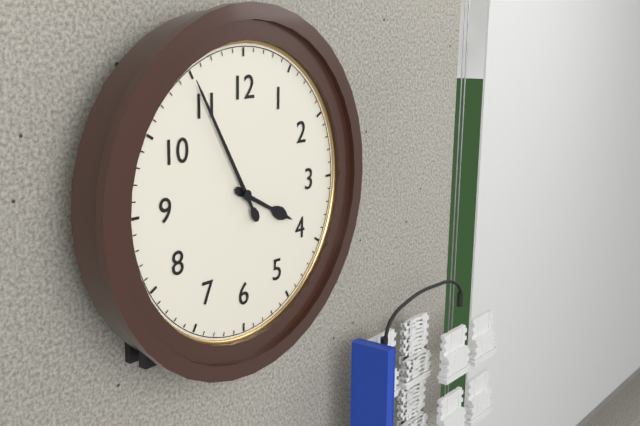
3:55
